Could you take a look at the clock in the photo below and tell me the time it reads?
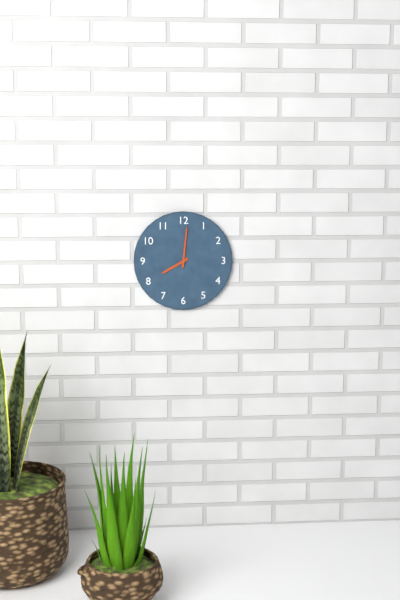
8:01
